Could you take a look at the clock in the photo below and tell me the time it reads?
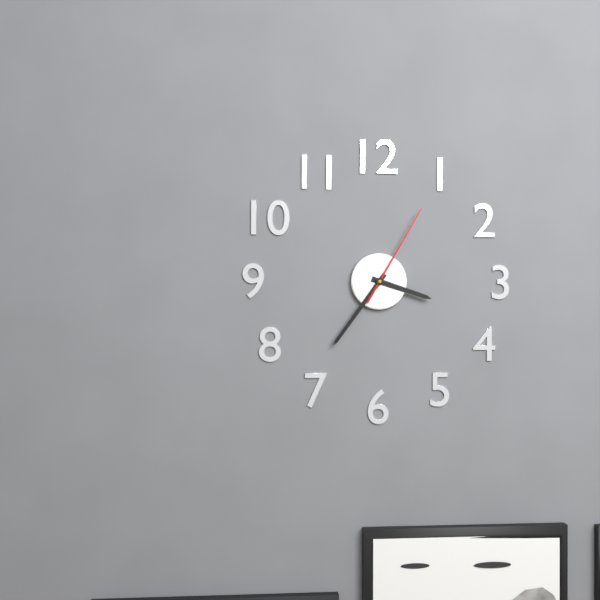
3:36:05
